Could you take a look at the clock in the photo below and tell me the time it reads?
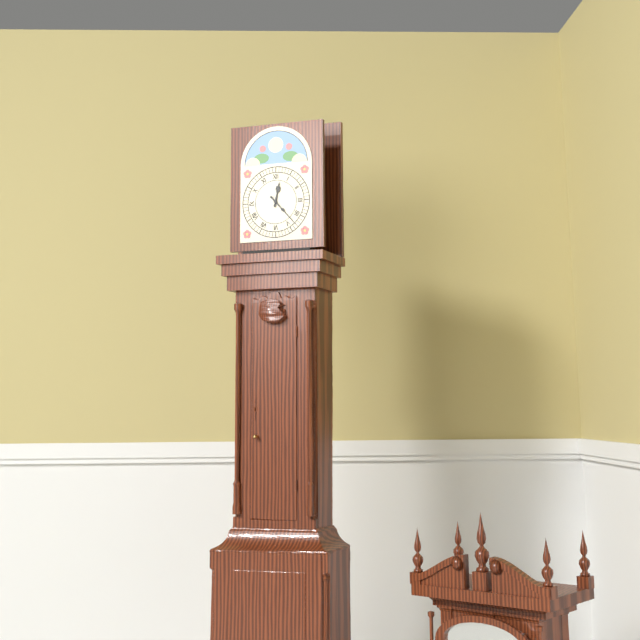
12:23
